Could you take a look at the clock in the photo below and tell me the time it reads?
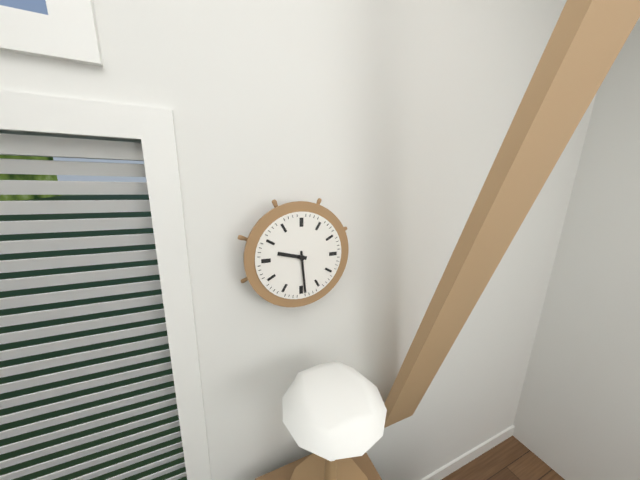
9:29
